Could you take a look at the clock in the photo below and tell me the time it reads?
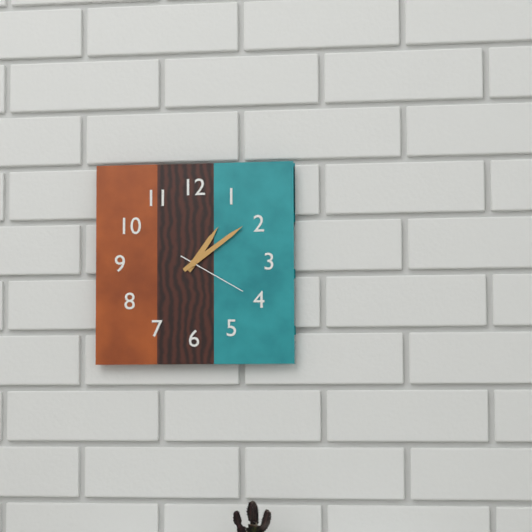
1:09:20
